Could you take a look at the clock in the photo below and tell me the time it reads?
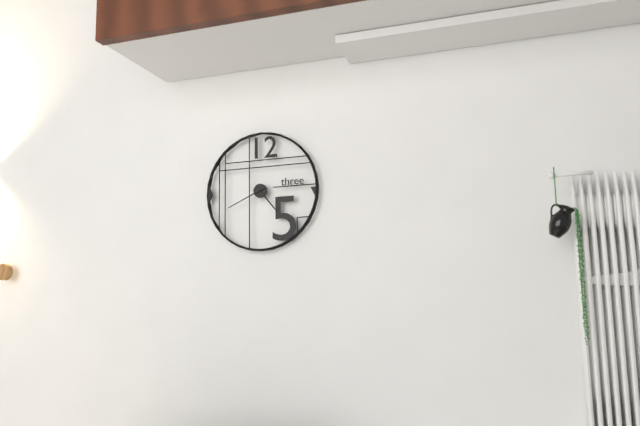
4:41
